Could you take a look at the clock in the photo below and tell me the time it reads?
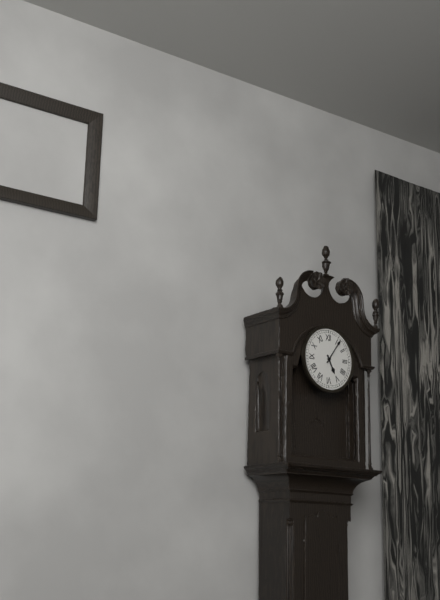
5:06
